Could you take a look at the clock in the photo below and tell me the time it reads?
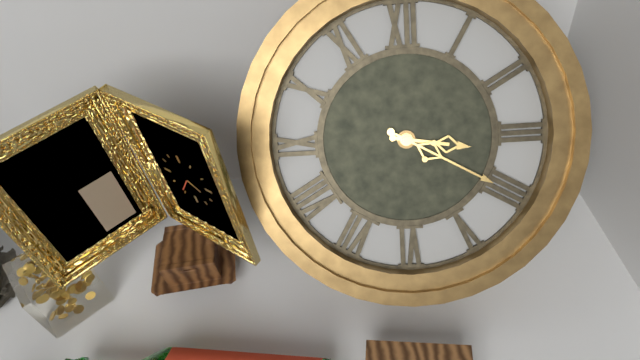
3:20
